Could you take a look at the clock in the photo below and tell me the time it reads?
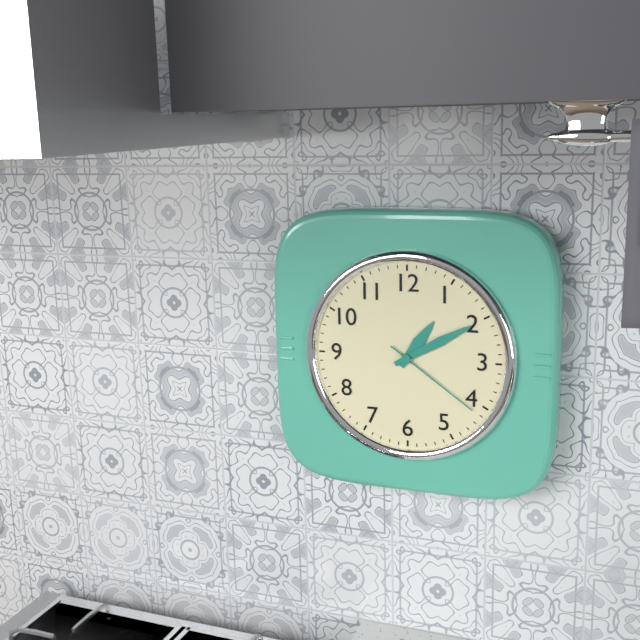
1:10:21
